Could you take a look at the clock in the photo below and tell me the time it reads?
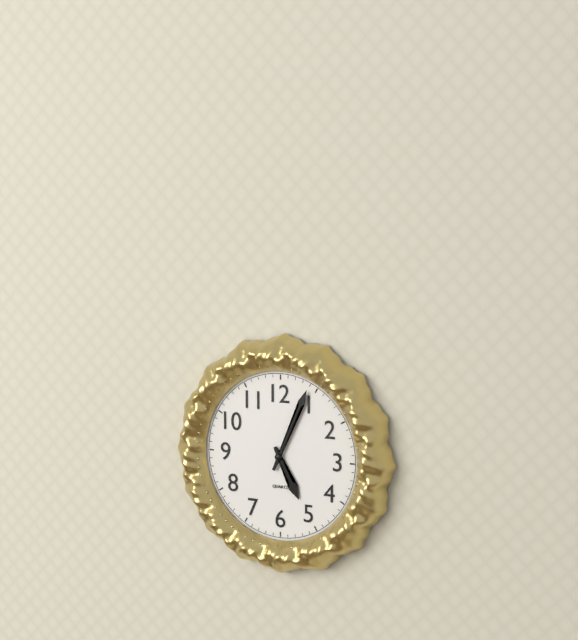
5:04
